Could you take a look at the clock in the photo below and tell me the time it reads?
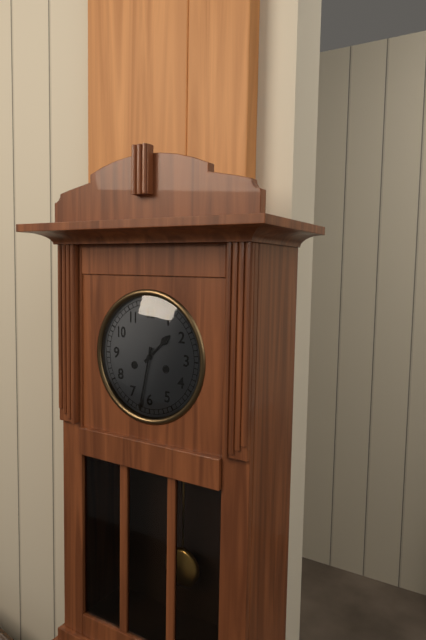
1:32
